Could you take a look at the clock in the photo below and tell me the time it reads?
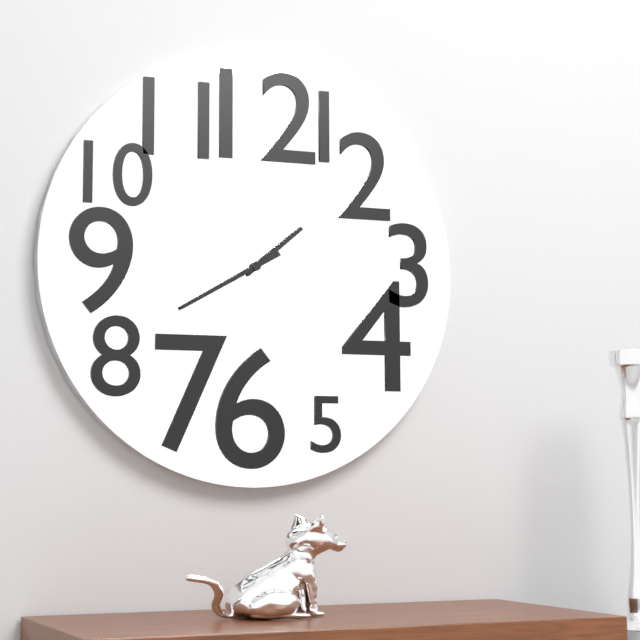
1:40
